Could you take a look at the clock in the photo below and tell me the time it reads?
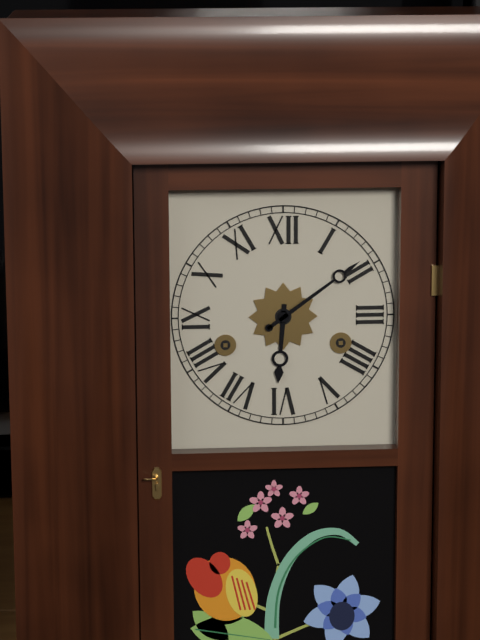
6:09
